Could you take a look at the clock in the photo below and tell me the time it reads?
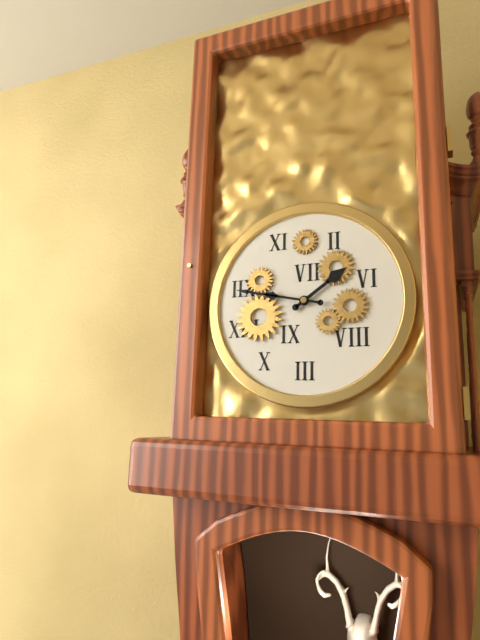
1:47
